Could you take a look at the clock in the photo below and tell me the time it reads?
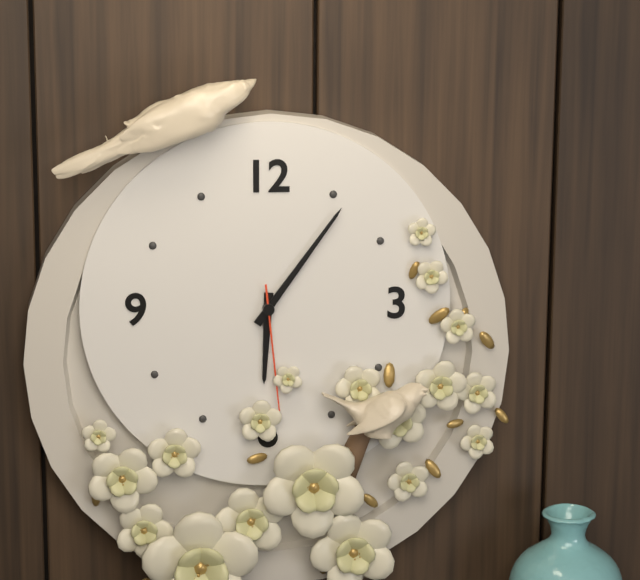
6:06:29
